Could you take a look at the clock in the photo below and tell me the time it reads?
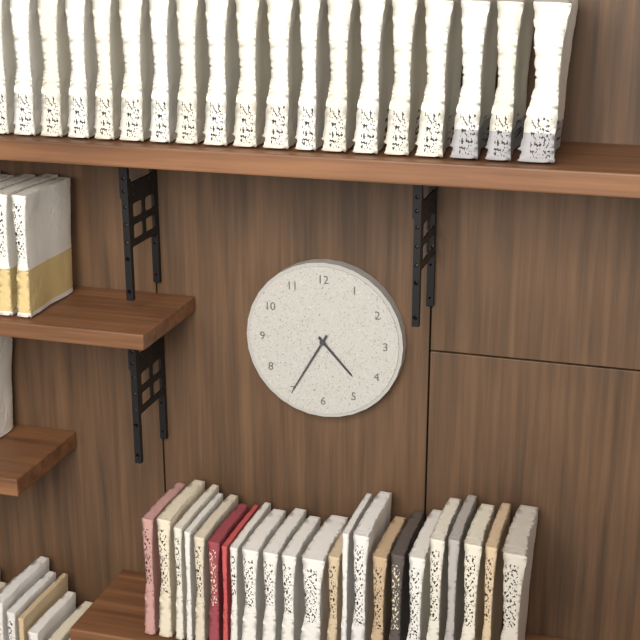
4:35
